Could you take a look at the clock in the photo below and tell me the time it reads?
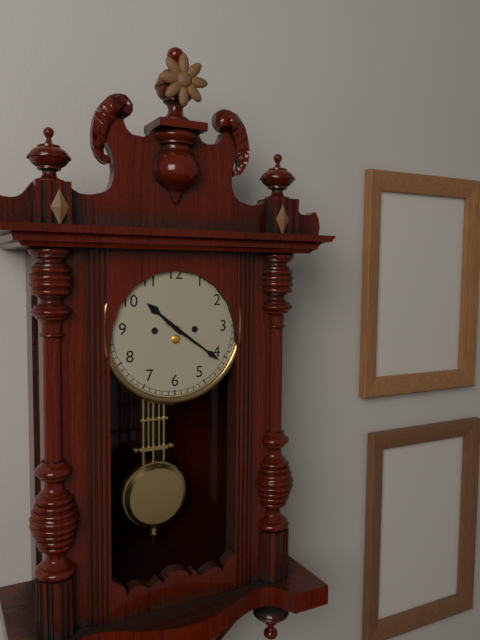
10:21
